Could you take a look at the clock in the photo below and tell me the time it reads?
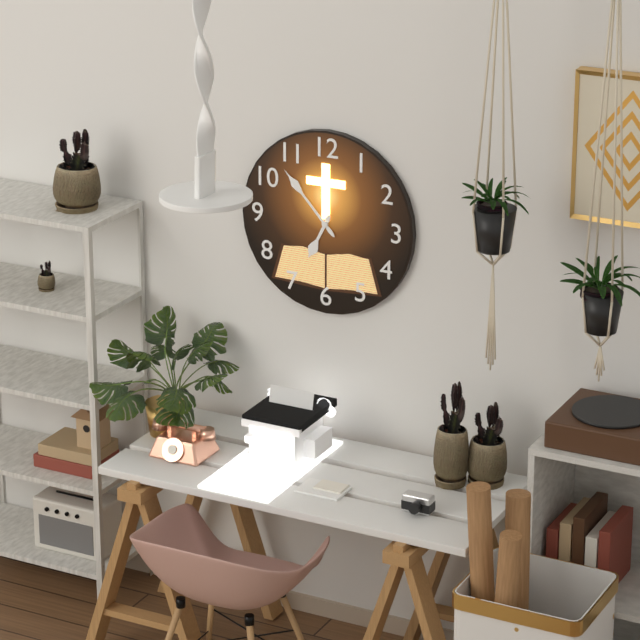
6:53
